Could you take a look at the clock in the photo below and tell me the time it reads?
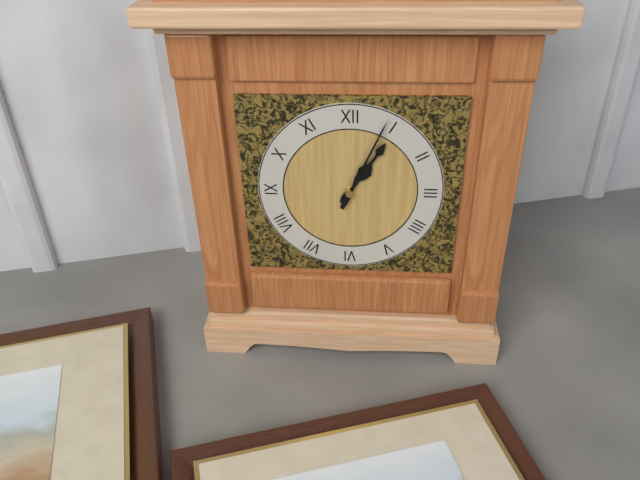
1:04
